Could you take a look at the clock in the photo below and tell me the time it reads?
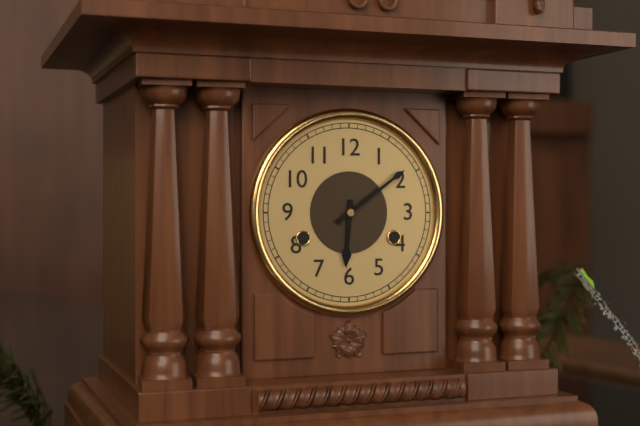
6:09
